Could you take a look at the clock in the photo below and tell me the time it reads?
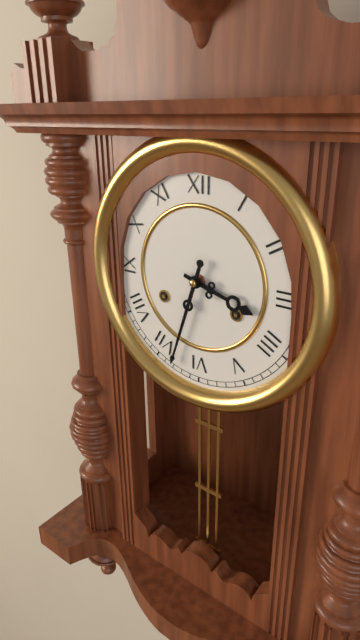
3:33
